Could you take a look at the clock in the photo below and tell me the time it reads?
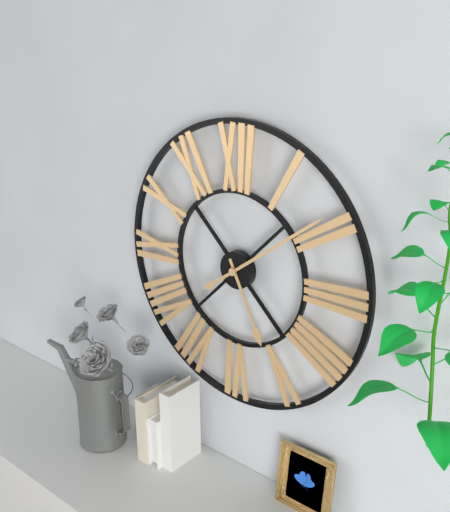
5:09
